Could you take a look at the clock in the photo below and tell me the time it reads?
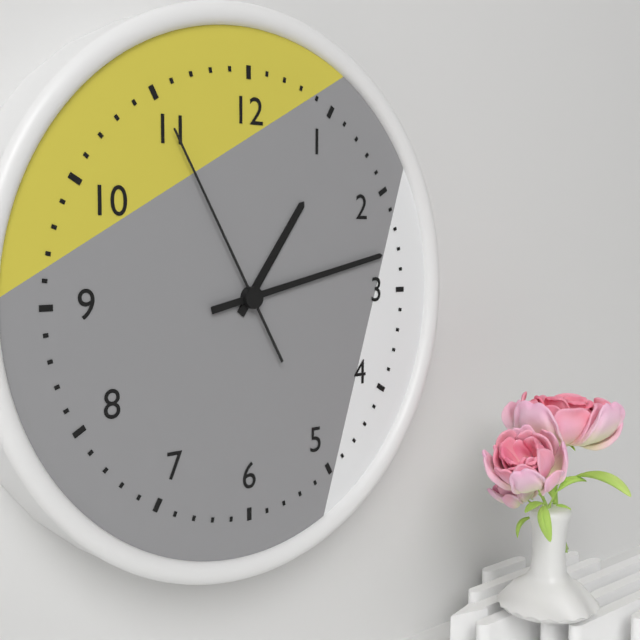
1:13:55
